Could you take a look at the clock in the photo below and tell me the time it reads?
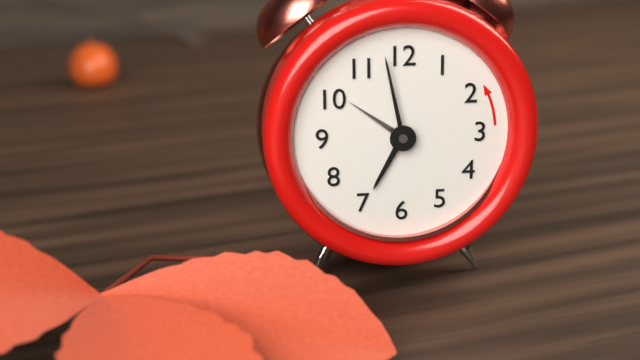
6:58:51
